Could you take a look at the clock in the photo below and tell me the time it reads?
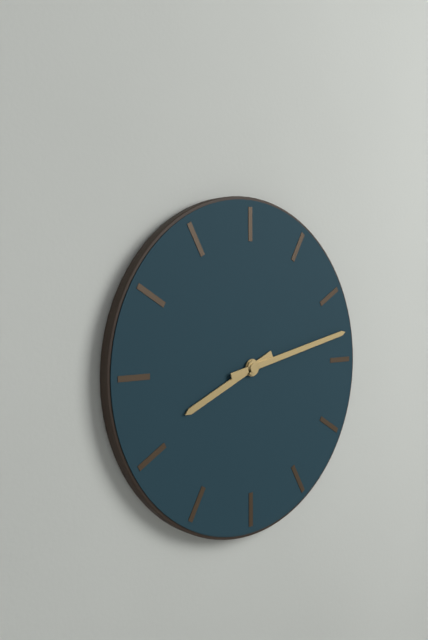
8:13
